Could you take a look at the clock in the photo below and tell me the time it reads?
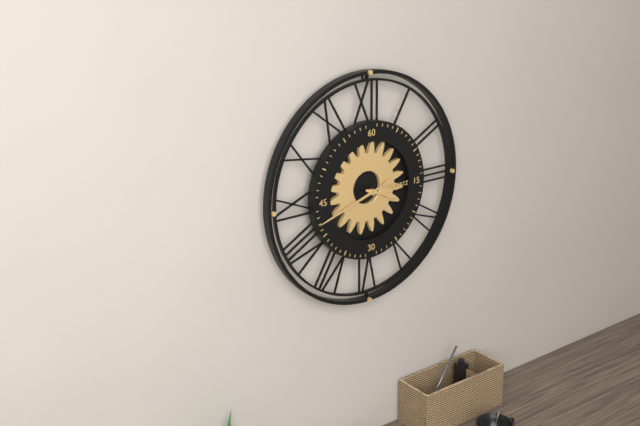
3:42
